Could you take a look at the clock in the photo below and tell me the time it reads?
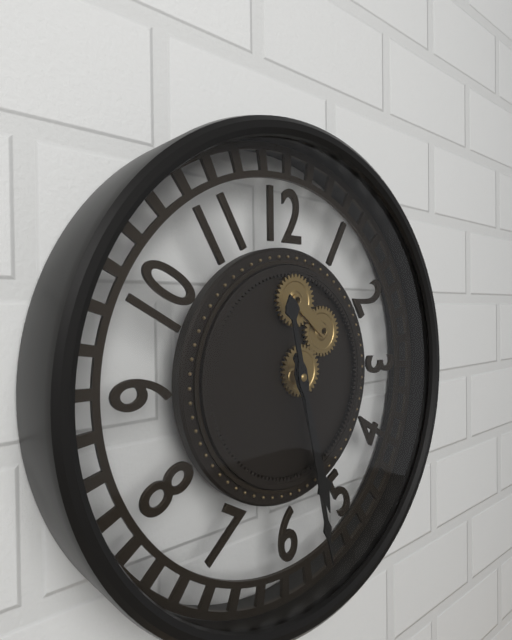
5:28
